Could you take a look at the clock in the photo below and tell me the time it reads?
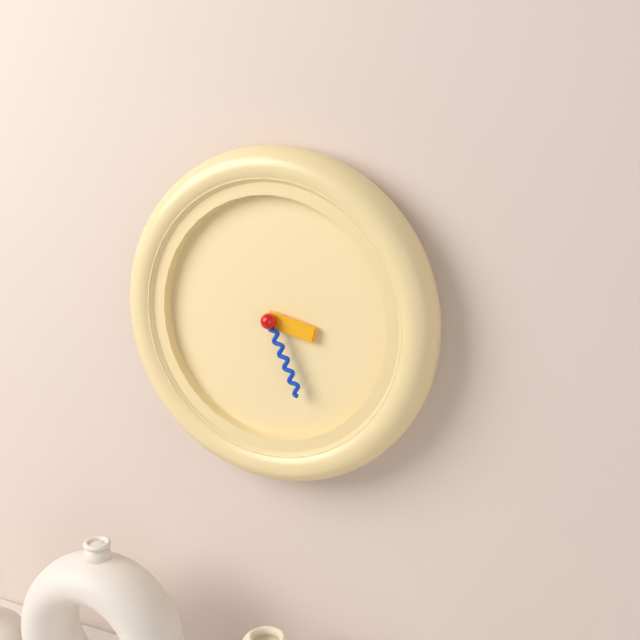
3:26
